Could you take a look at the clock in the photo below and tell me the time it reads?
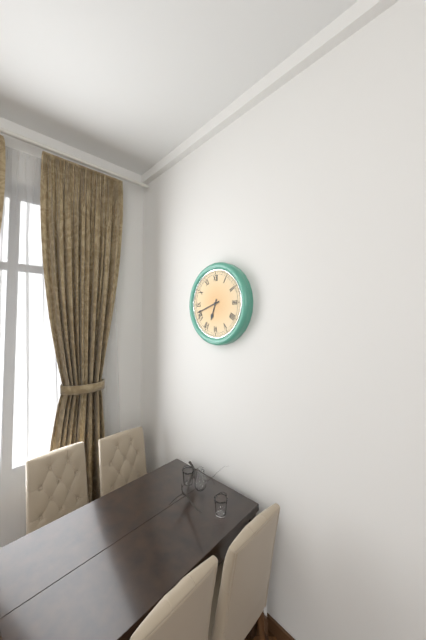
6:42
